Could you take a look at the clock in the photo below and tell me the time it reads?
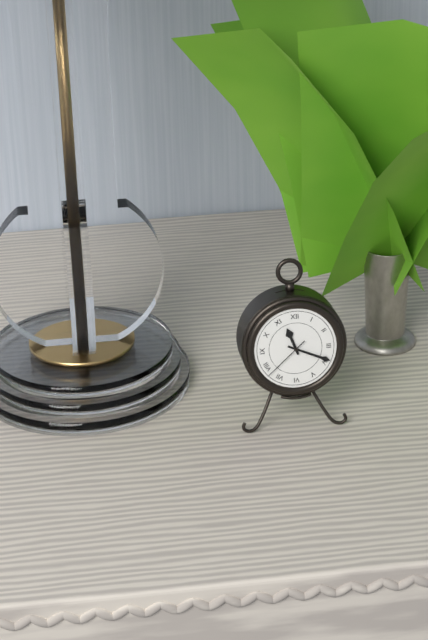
11:19
